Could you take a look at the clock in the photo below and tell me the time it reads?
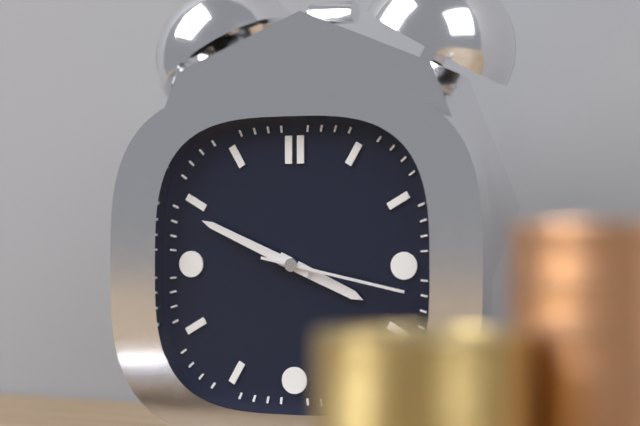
3:49:17
